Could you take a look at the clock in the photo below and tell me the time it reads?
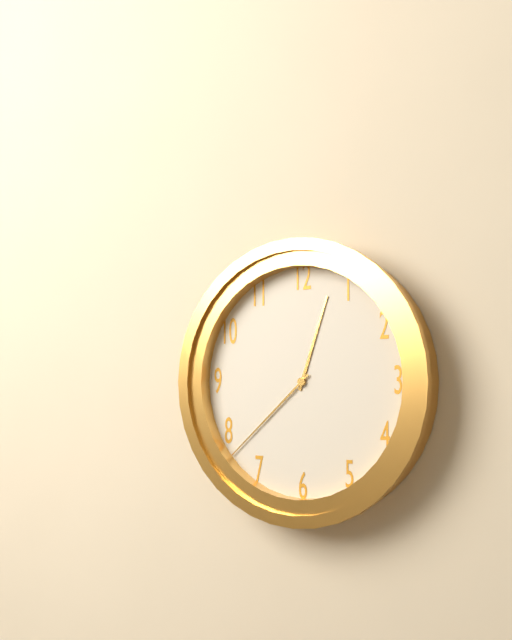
12:38
